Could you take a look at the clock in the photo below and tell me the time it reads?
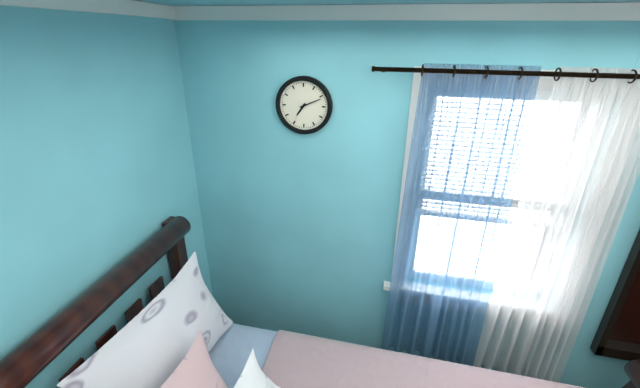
7:11
